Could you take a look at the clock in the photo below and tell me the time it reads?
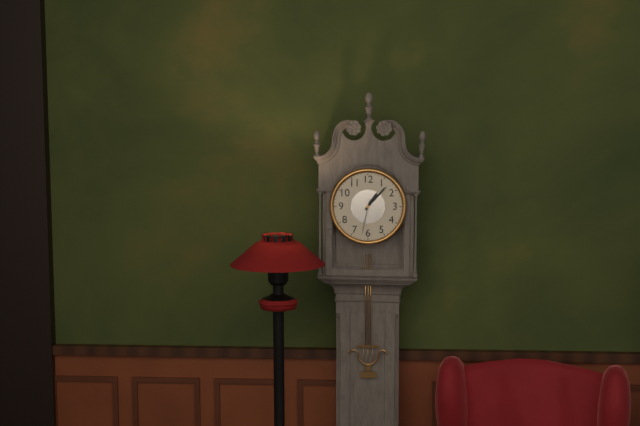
1:07
